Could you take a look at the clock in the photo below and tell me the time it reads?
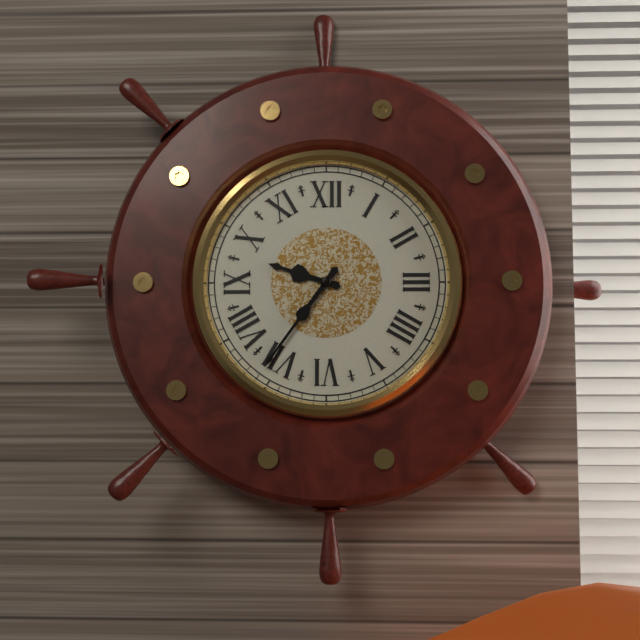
9:36
